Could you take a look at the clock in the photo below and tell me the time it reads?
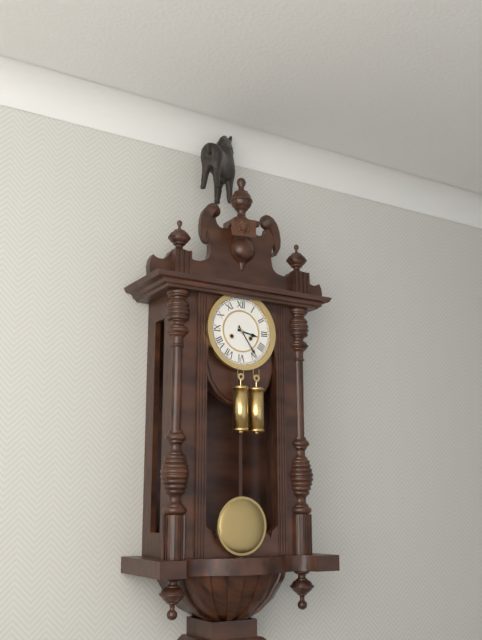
3:24
